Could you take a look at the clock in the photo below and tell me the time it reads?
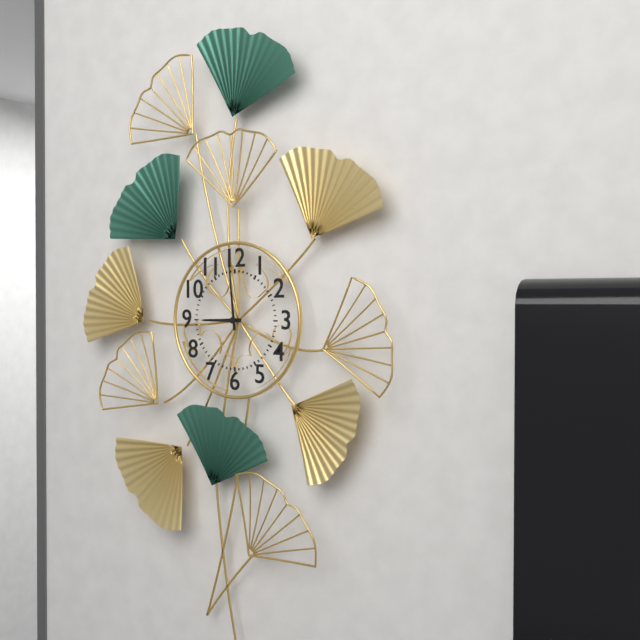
8:59
